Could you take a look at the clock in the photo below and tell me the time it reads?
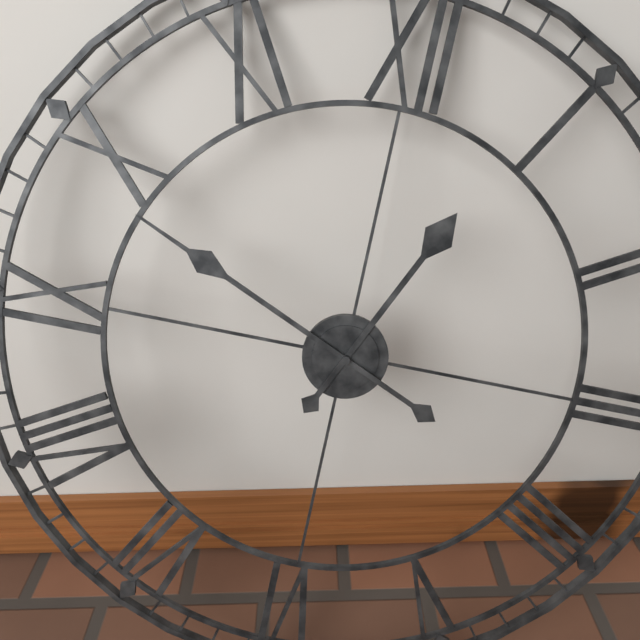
12:49
